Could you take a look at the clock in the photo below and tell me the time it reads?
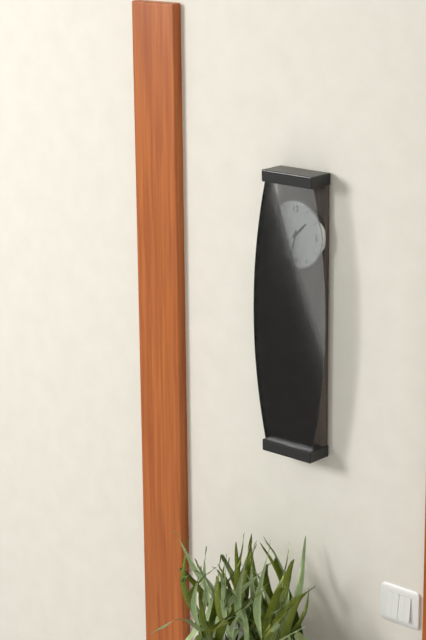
1:32
